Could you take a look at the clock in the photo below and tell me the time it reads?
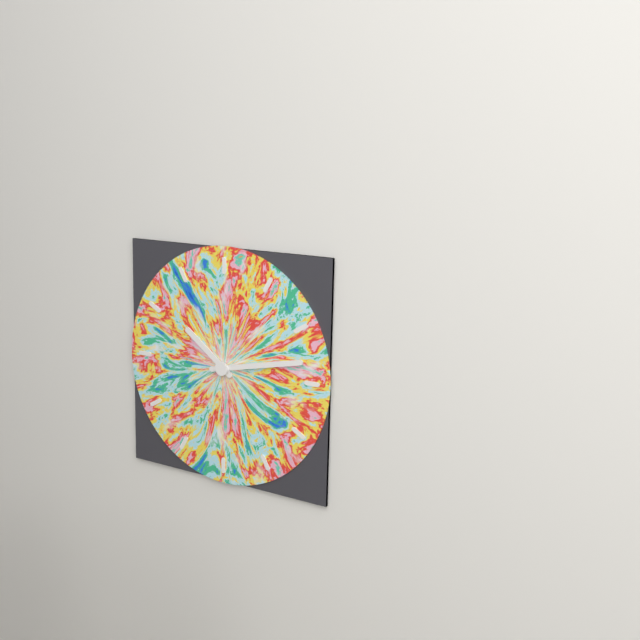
10:13
